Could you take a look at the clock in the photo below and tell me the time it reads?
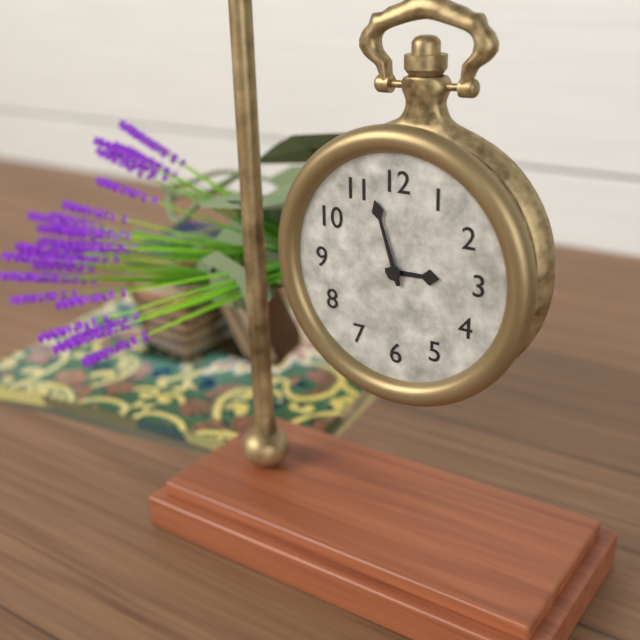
2:57
